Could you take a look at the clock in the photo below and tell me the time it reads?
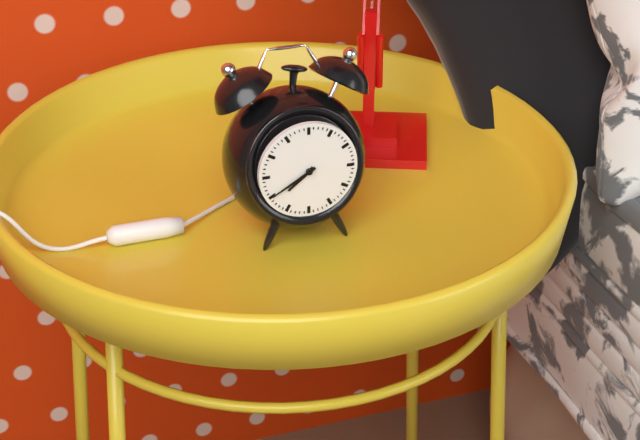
7:40
